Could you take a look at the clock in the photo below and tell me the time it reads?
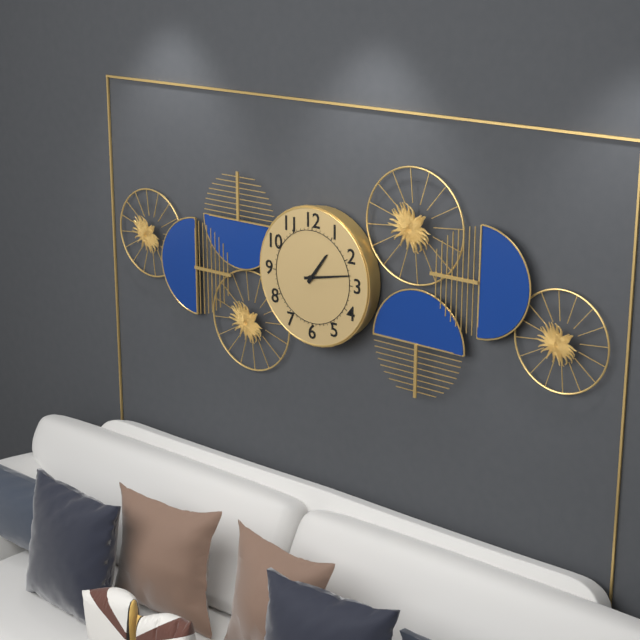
1:13
